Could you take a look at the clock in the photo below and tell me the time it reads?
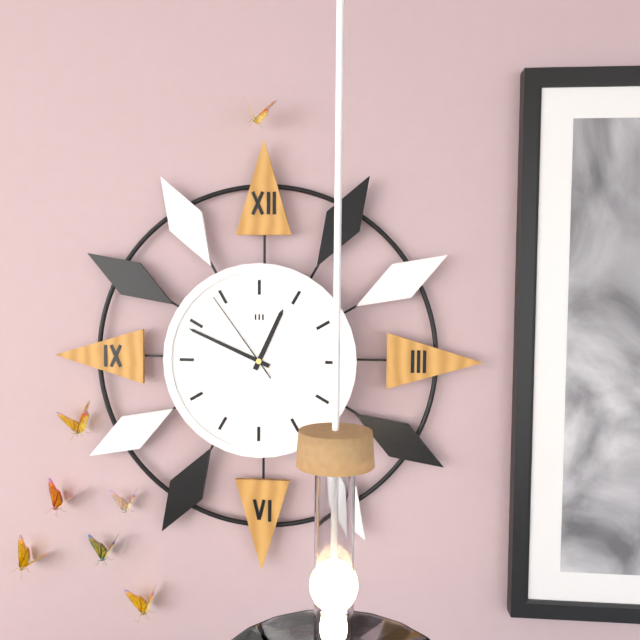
12:49:54
